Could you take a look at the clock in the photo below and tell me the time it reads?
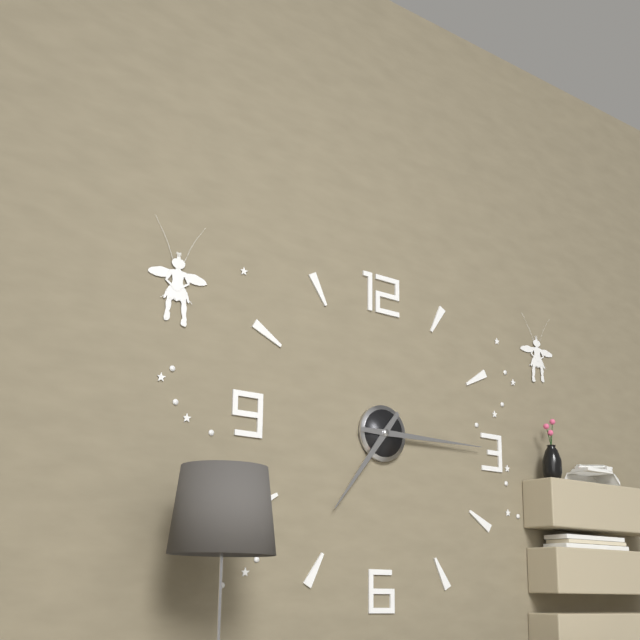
7:15
